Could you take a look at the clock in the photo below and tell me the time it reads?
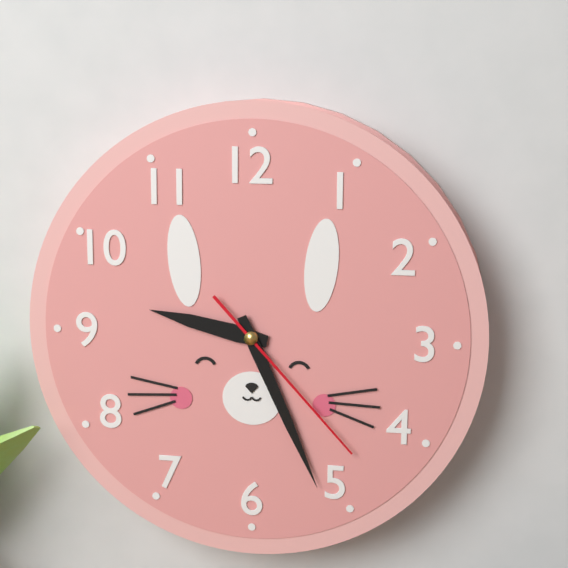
9:26:23
